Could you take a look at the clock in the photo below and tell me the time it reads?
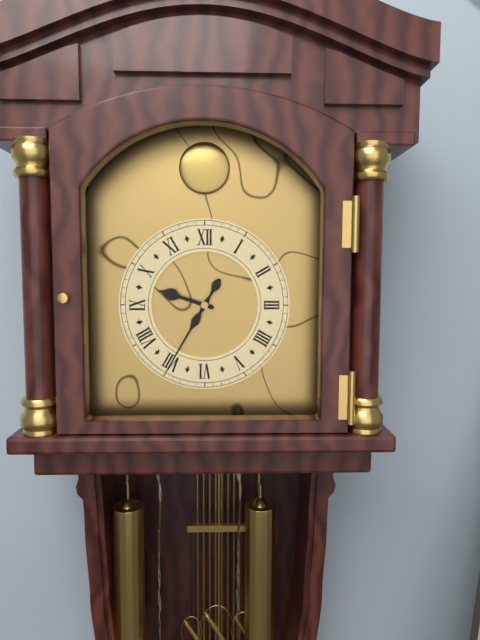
9:35
